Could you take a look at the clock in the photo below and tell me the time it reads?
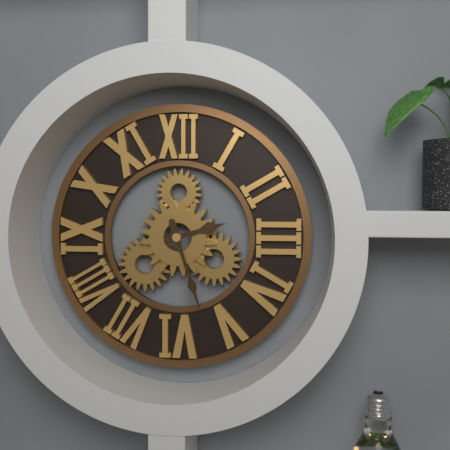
2:27
